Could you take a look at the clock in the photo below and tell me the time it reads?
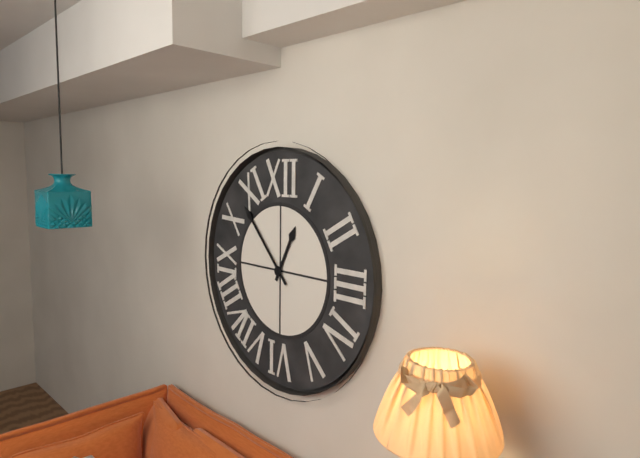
12:53
